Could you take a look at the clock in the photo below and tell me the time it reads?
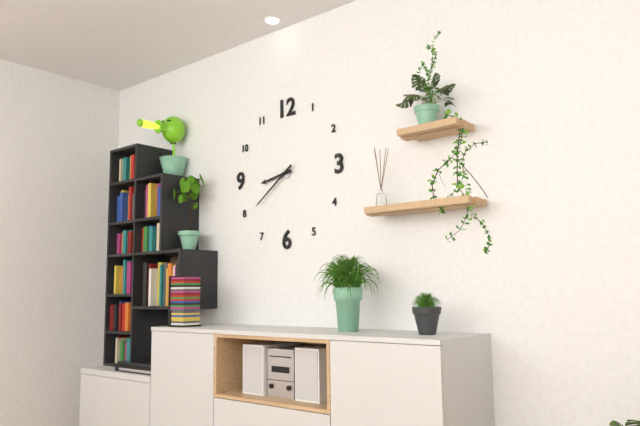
8:39
